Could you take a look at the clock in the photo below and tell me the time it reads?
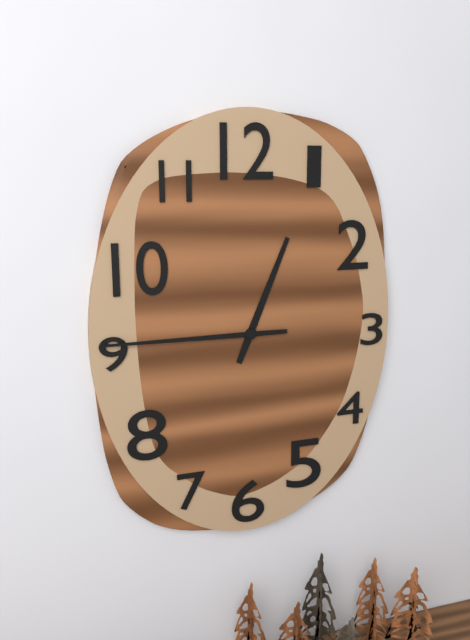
12:45
